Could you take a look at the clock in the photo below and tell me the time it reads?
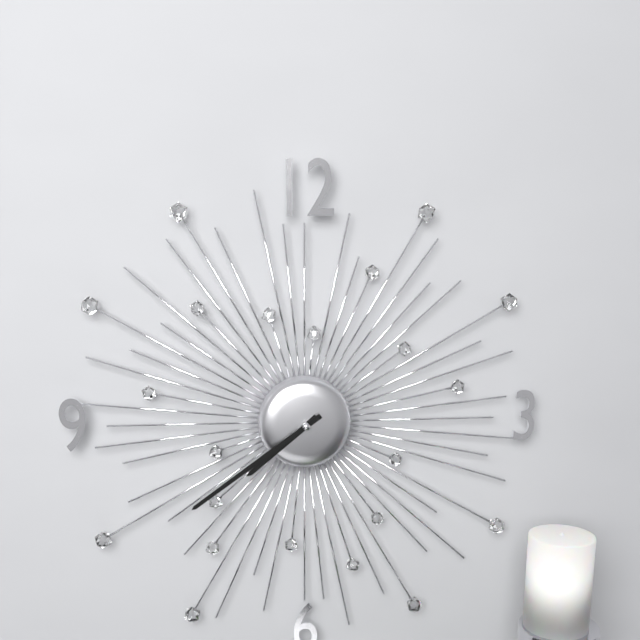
7:39
